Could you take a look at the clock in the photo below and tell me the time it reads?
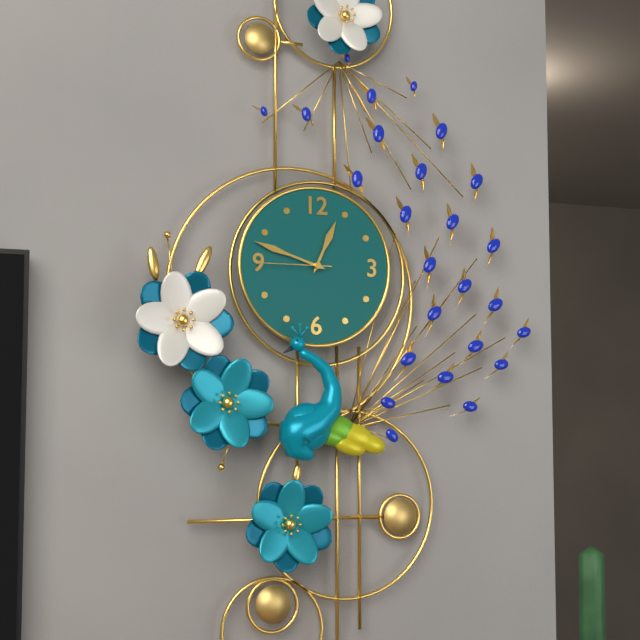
12:48:45
